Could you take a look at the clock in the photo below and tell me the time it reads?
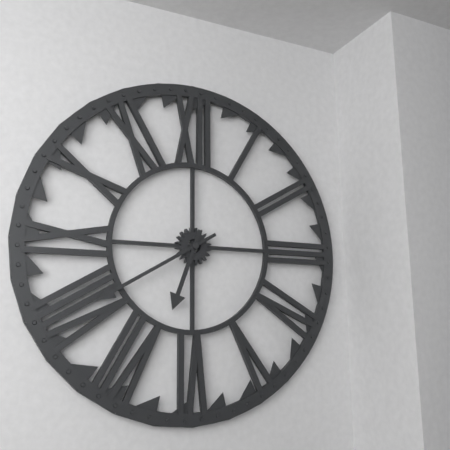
6:40
